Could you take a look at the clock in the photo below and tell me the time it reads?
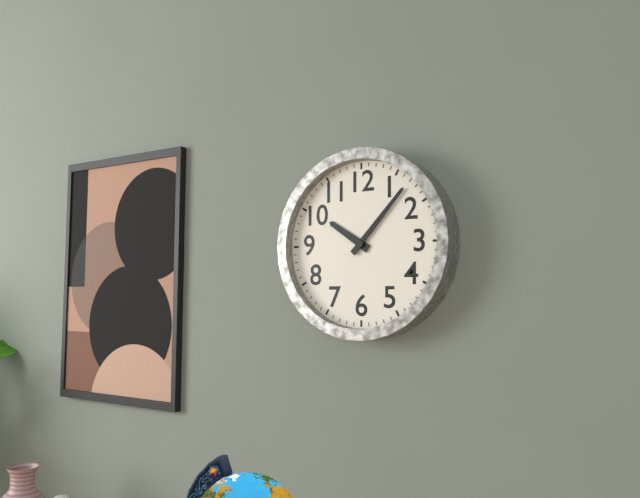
10:07
